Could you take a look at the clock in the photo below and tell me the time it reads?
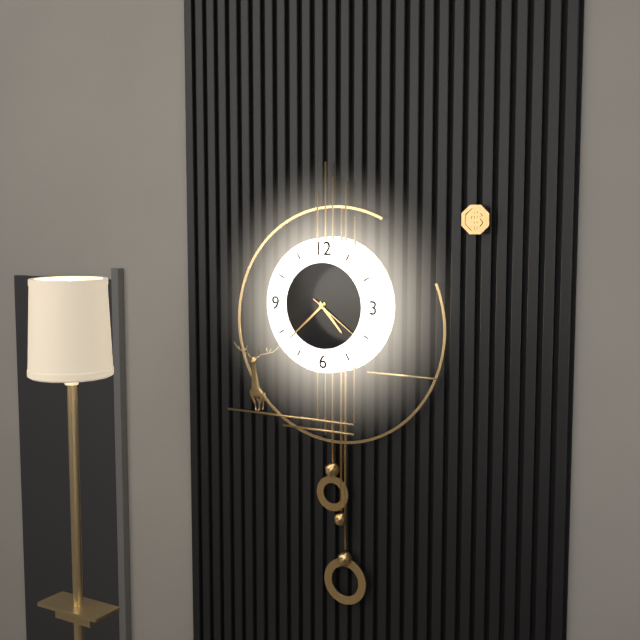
4:38:21
